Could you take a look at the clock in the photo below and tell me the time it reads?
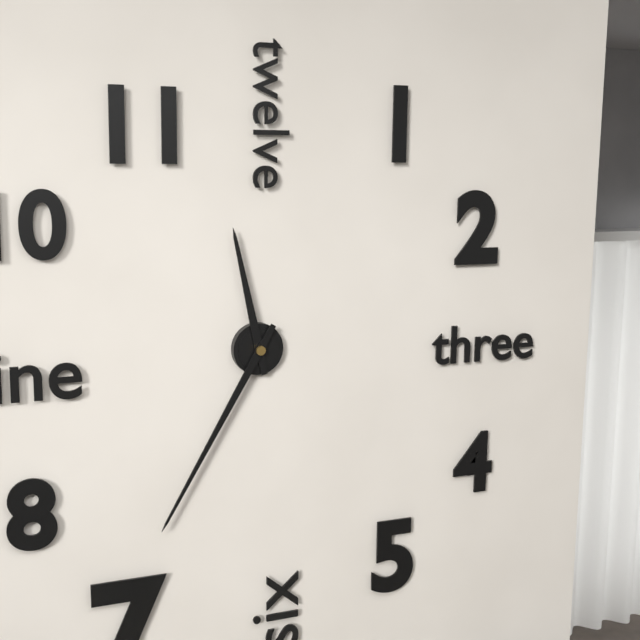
11:35
